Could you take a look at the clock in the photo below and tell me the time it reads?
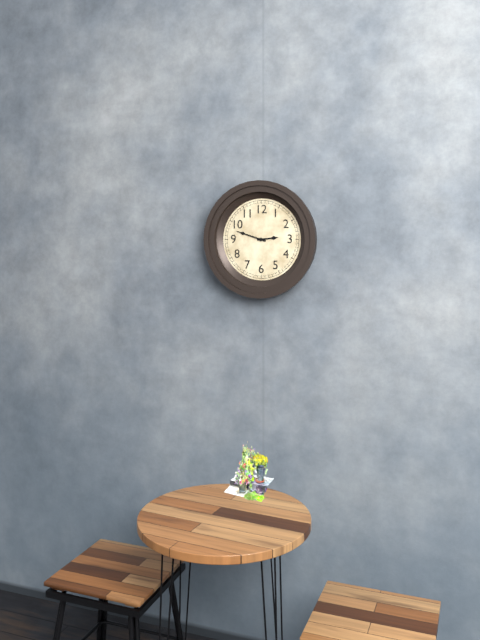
2:48
